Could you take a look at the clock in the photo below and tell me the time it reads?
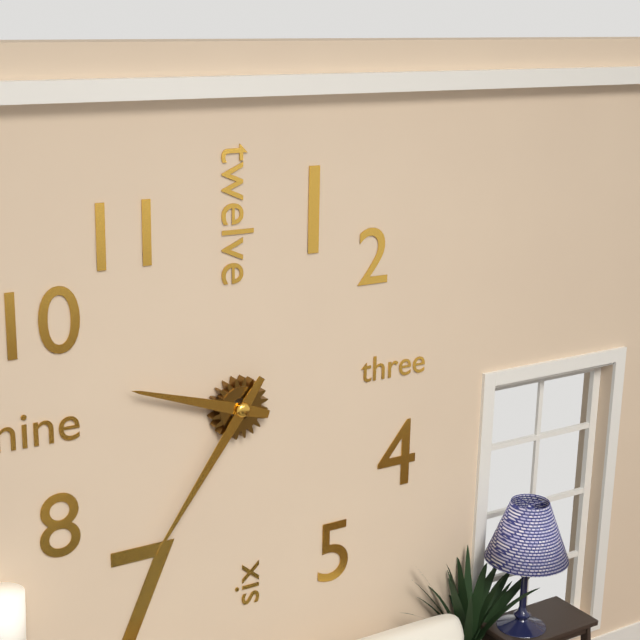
9:36
